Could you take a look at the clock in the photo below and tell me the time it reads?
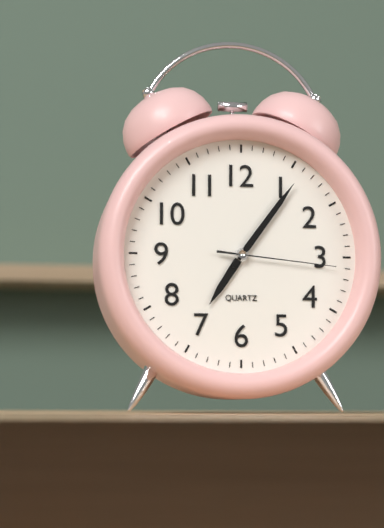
7:06:16
